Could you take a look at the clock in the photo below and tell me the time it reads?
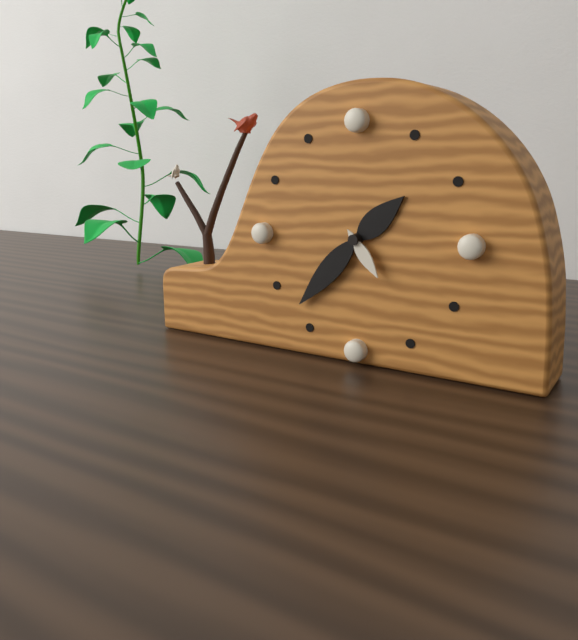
1:37:24
